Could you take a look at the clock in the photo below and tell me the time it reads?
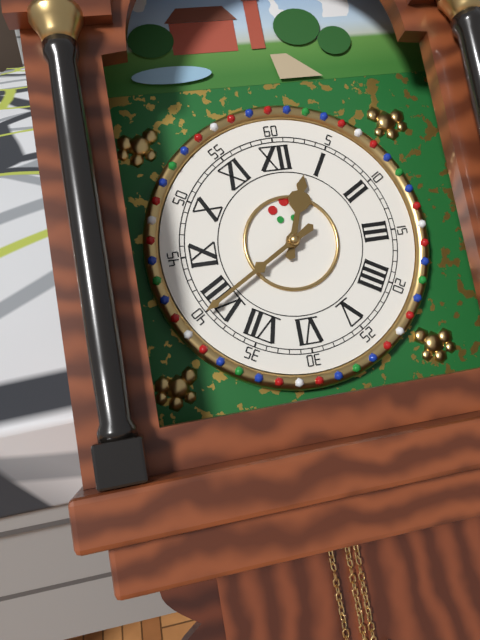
12:40
